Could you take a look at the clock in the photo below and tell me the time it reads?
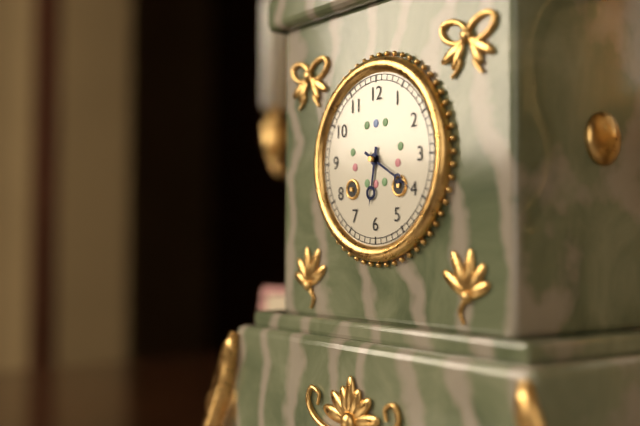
6:20
